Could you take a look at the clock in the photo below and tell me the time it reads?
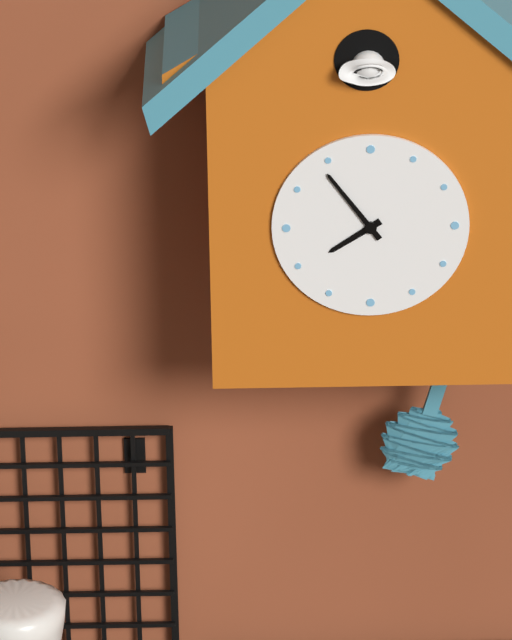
7:54
